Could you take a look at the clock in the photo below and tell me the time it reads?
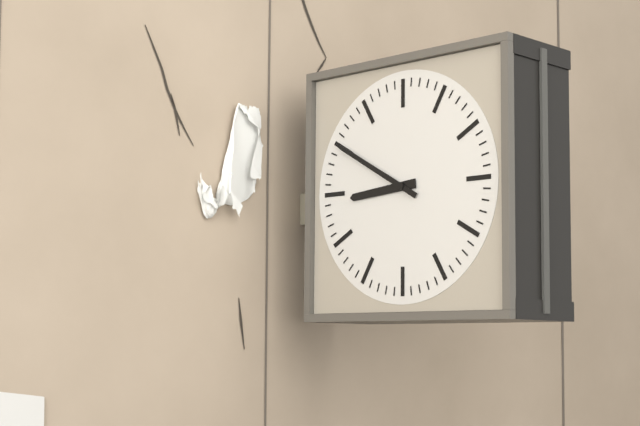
8:50
